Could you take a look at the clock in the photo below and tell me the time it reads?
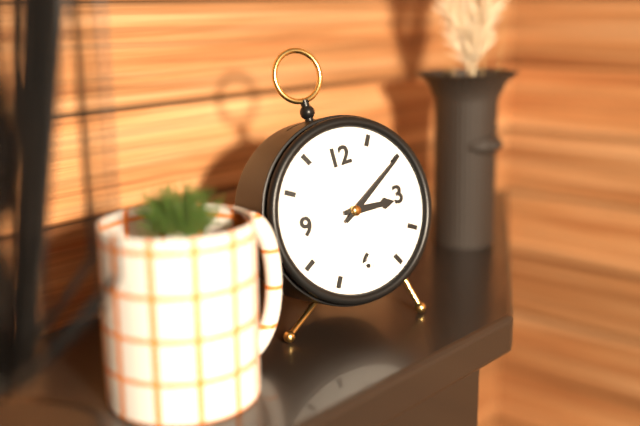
3:10
